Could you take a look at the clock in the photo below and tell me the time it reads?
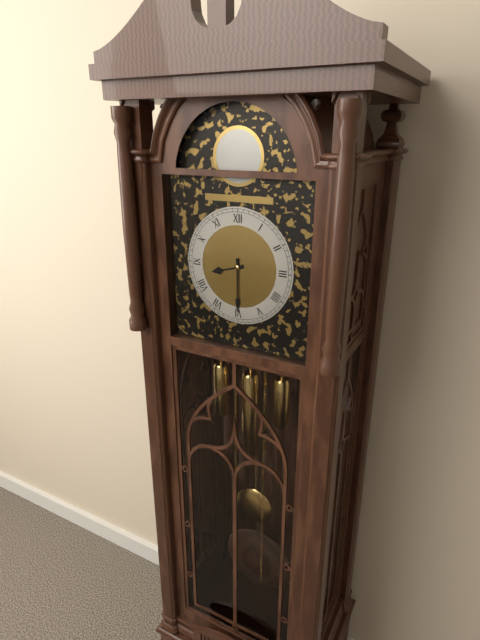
8:30
